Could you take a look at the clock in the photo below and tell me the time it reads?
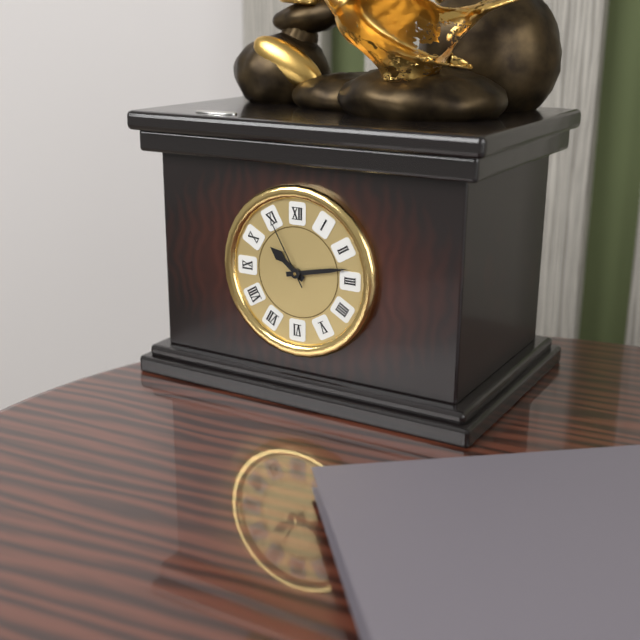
10:13:55
